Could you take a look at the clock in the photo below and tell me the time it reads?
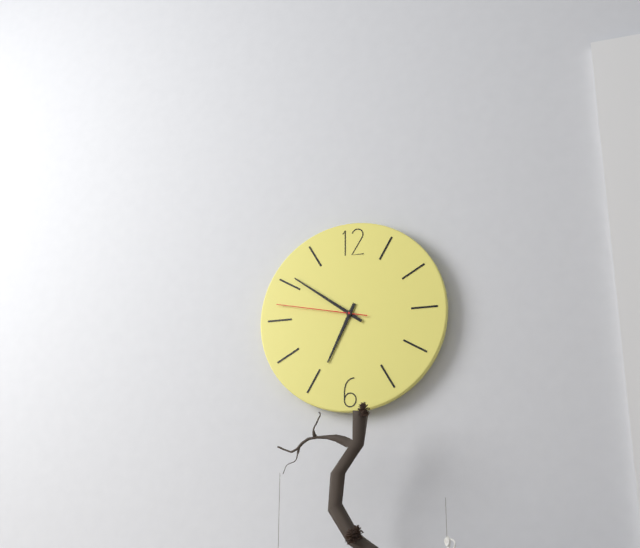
6:51:47
